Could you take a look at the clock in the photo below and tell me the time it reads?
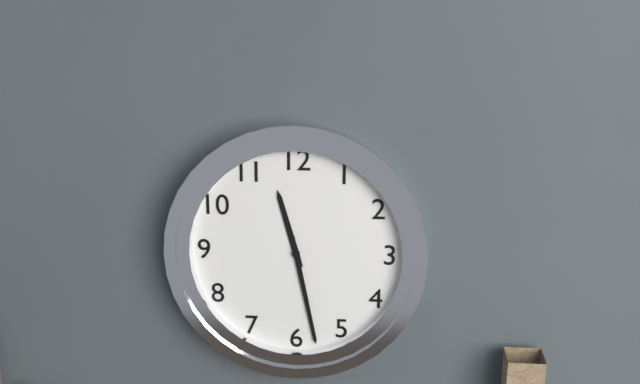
11:28
